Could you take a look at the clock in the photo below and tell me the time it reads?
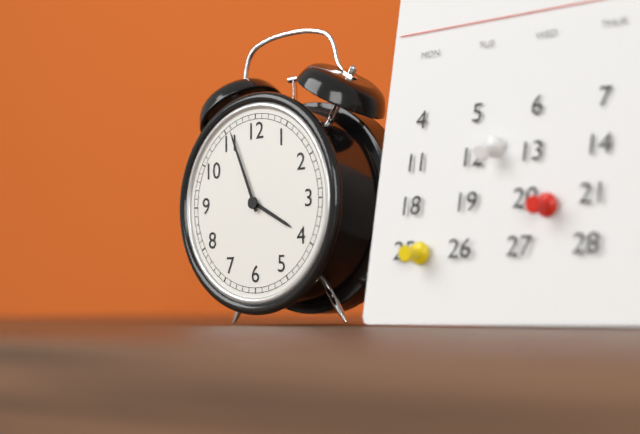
3:56
